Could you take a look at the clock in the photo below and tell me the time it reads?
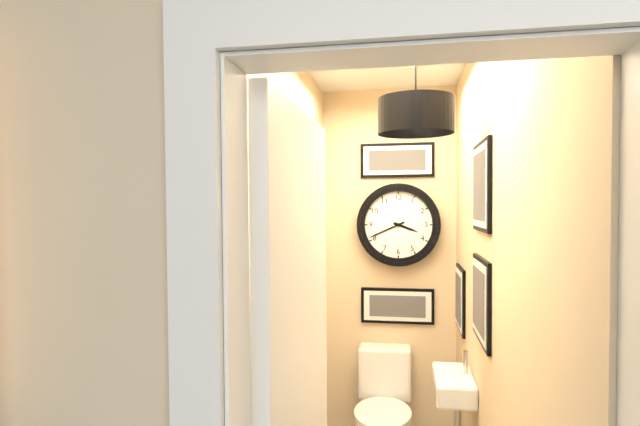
3:41
